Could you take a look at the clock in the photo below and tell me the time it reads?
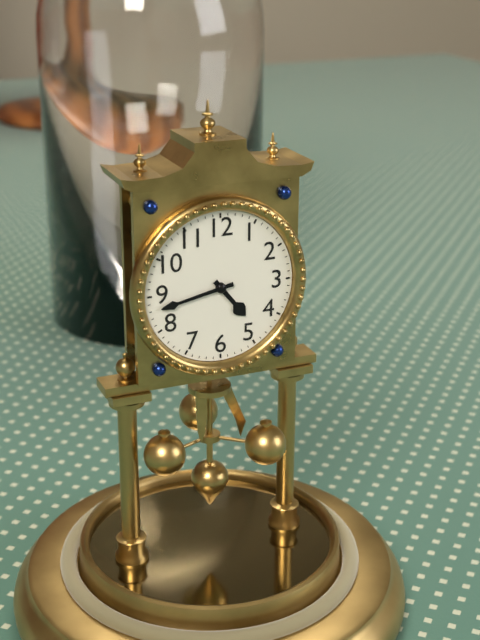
4:43
